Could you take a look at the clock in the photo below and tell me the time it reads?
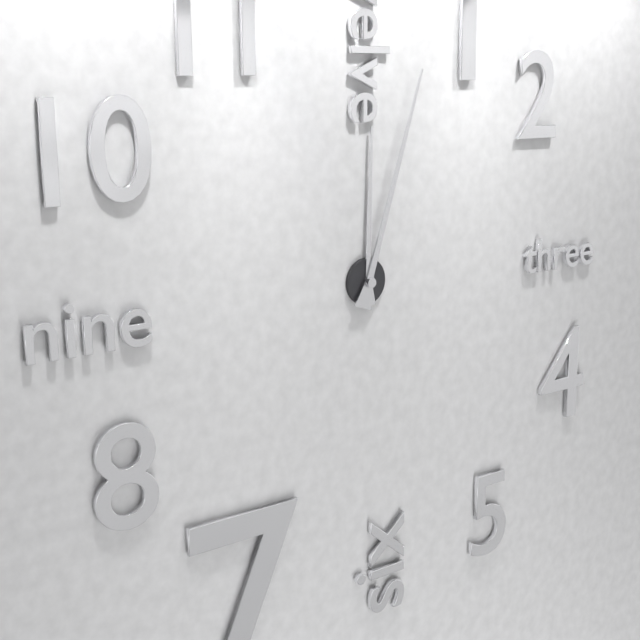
12:03
